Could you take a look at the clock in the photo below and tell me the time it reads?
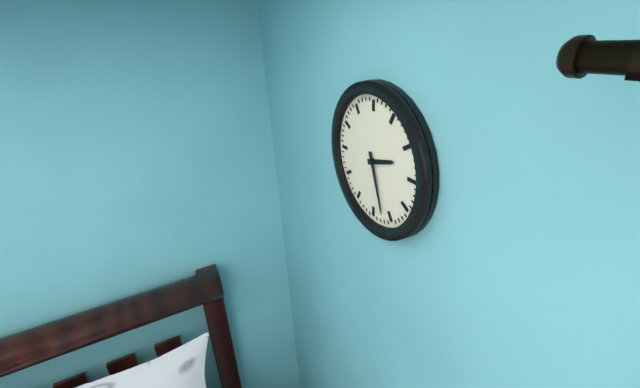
2:27
